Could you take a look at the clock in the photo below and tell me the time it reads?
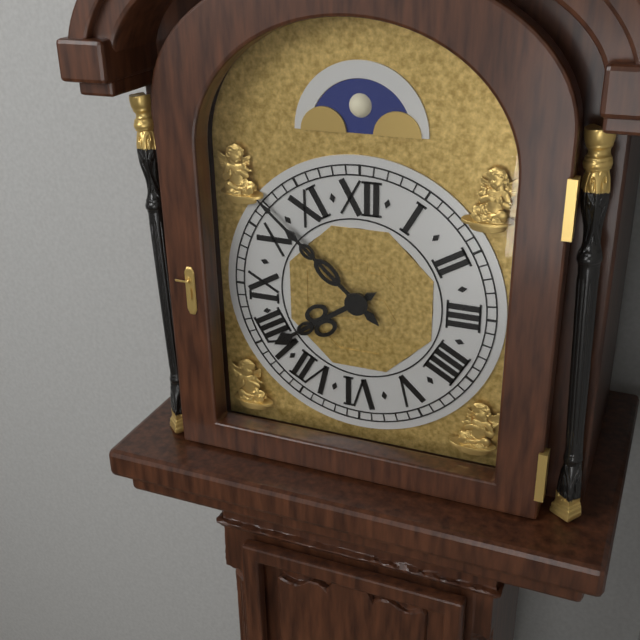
7:52
